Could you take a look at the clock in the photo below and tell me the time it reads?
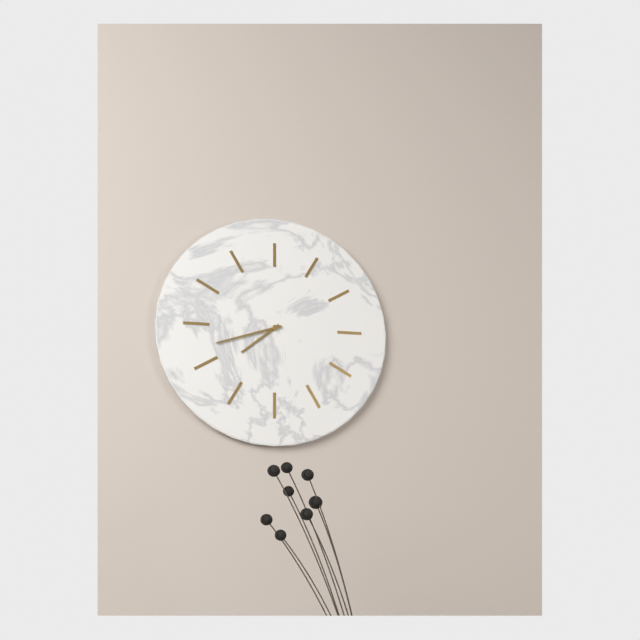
7:42
